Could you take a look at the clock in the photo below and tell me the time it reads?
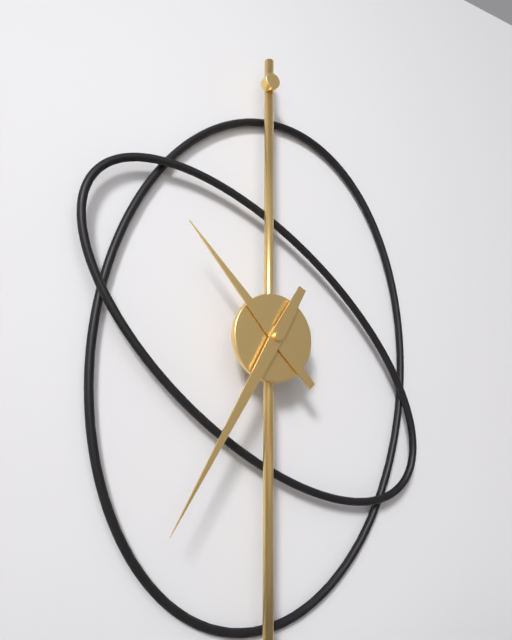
10:35
